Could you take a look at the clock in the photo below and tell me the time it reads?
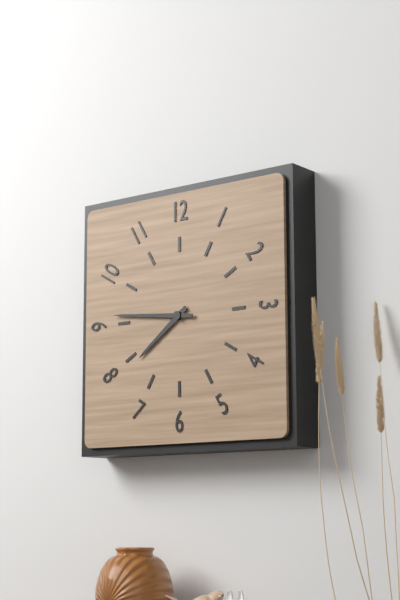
7:46
